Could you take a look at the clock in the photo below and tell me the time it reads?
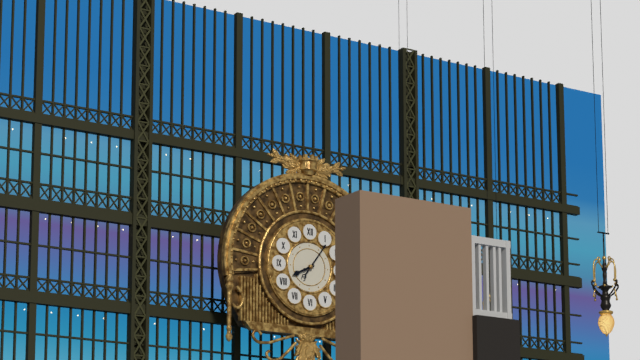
8:06
